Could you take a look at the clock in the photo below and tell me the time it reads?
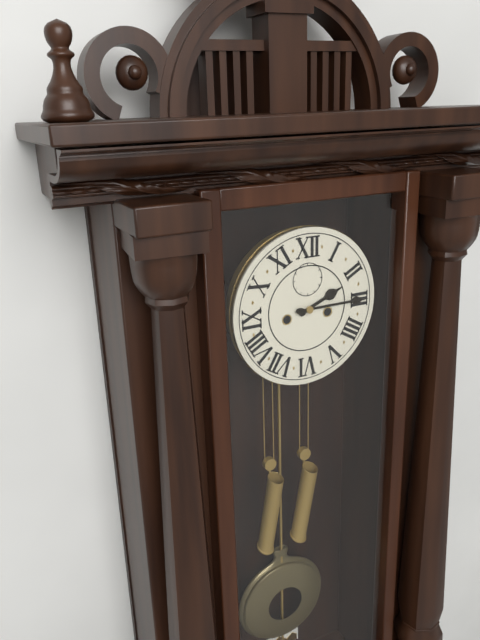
2:15
